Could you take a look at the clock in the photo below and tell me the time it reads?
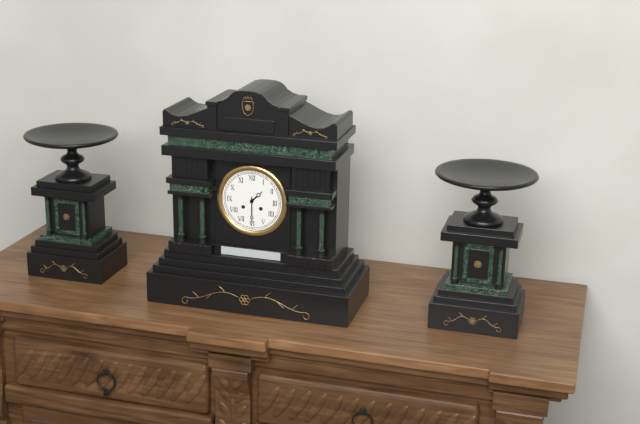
1:30
